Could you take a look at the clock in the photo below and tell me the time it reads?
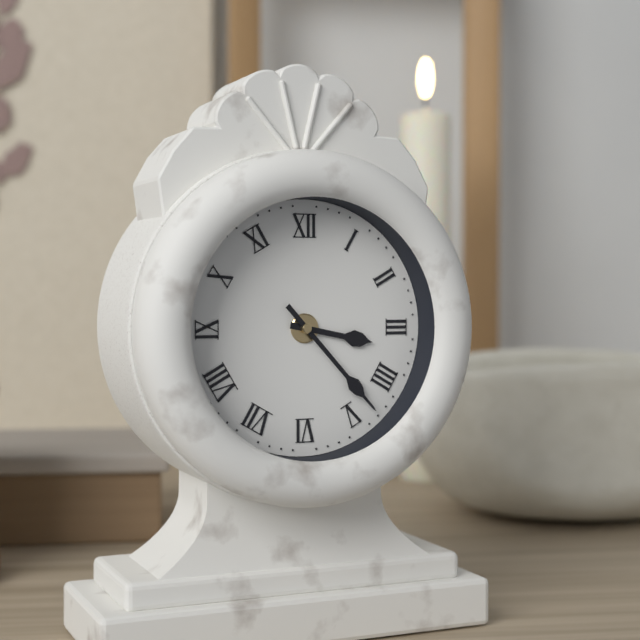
3:23
